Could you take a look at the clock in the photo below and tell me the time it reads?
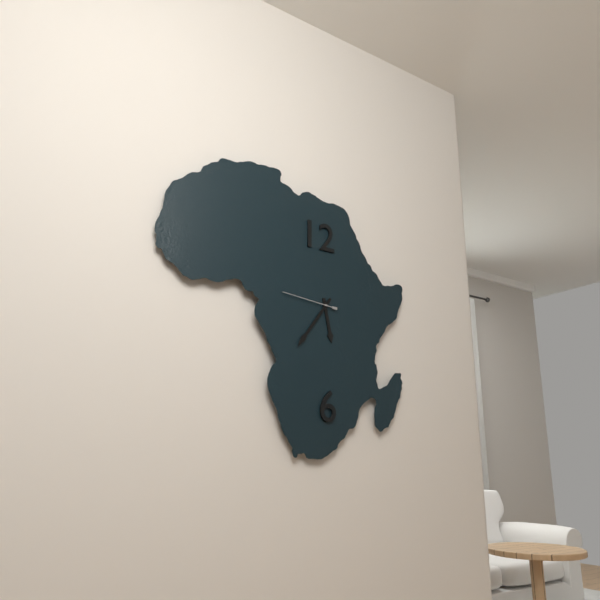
5:36
